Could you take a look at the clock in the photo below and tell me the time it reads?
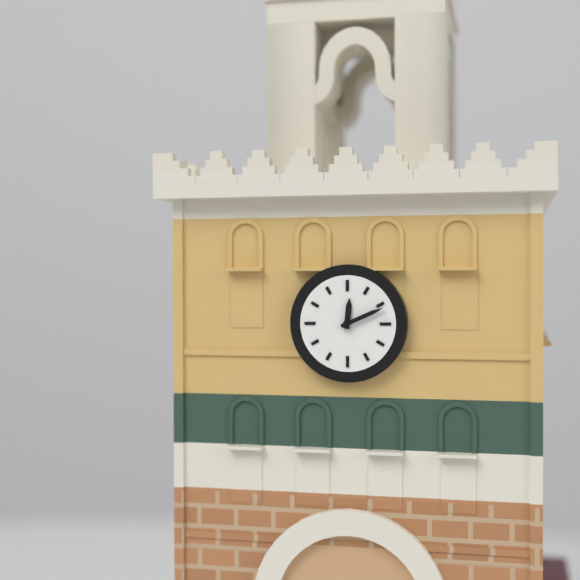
12:11
